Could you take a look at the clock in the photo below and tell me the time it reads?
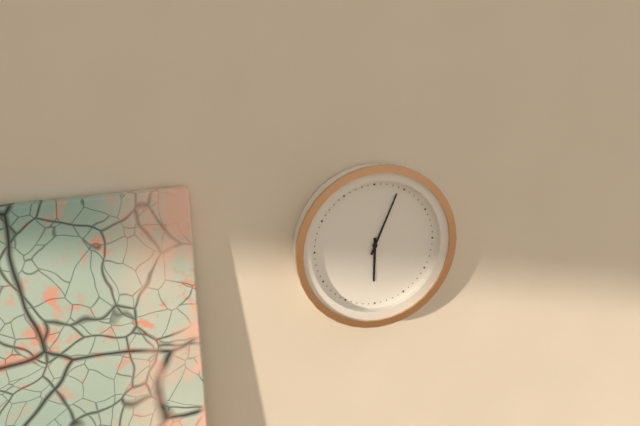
6:04
